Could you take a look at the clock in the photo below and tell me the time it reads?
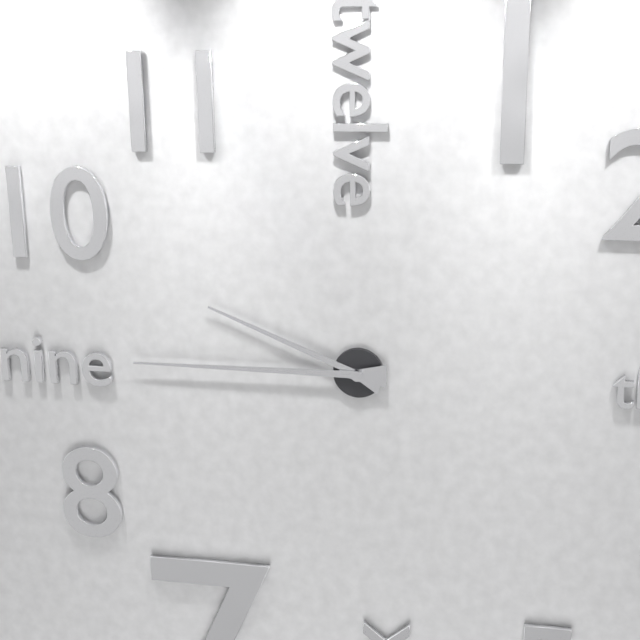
9:45
